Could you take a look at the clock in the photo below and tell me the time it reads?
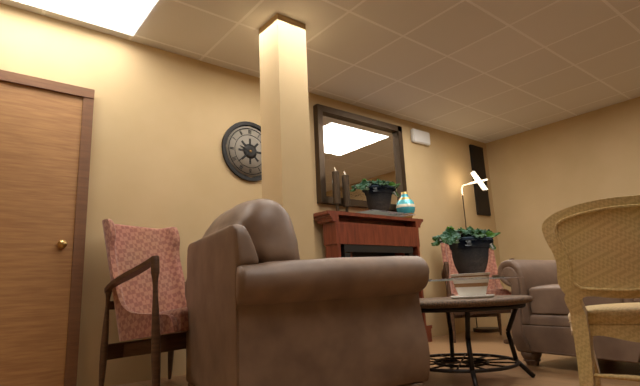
9:38
